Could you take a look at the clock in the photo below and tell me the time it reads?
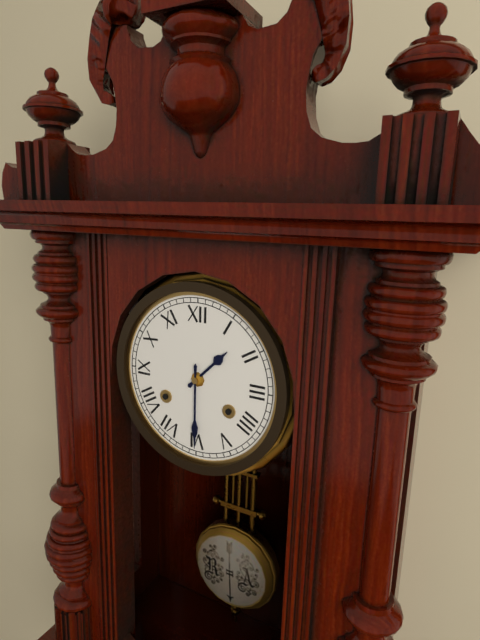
1:30
